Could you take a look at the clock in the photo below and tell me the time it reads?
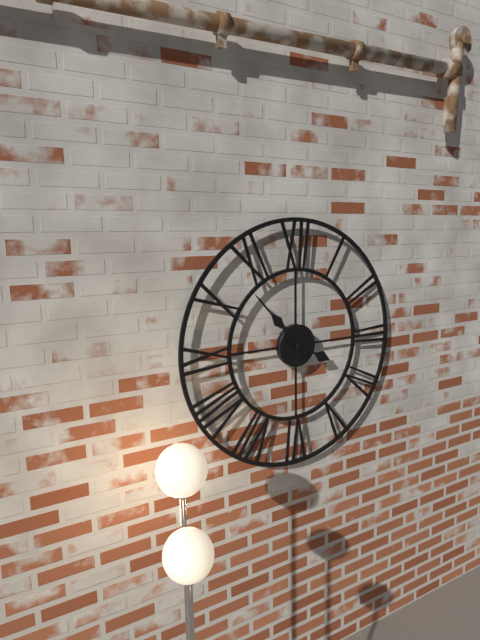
3:53
